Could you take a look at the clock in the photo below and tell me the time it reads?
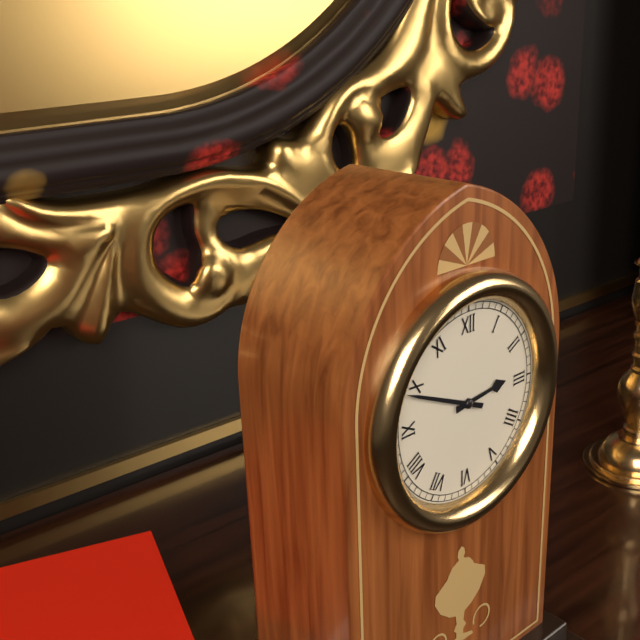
2:49
